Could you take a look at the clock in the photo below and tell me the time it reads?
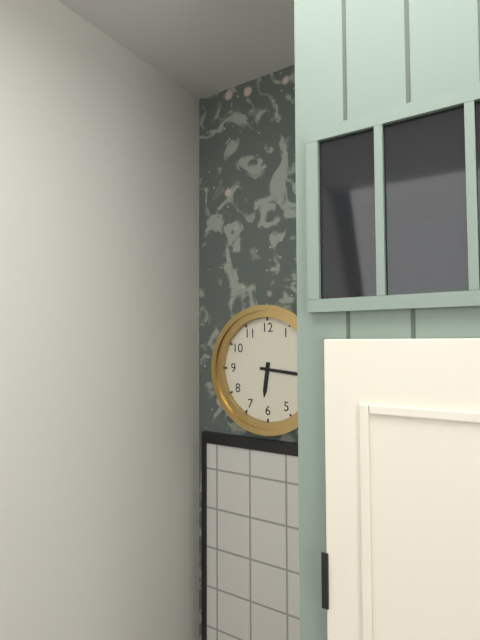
6:16
